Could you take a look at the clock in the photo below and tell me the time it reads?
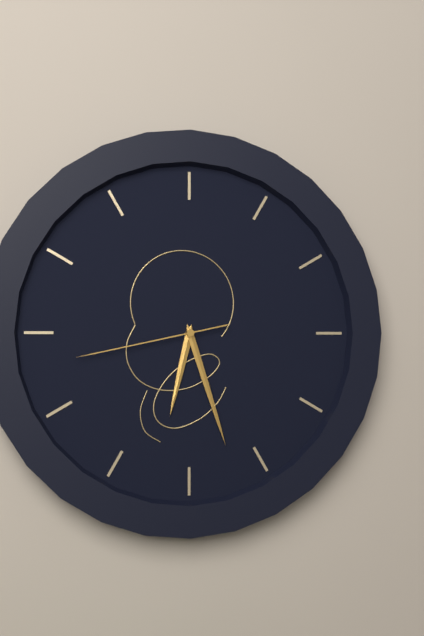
6:27:43
